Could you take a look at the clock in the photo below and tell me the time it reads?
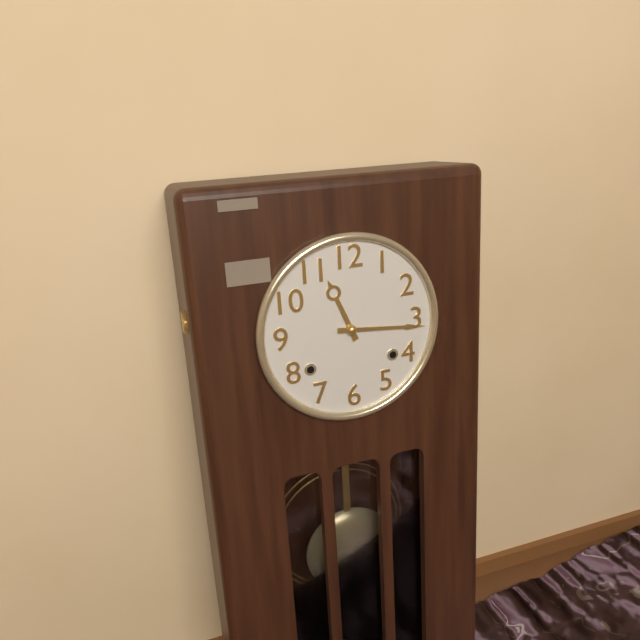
11:16
